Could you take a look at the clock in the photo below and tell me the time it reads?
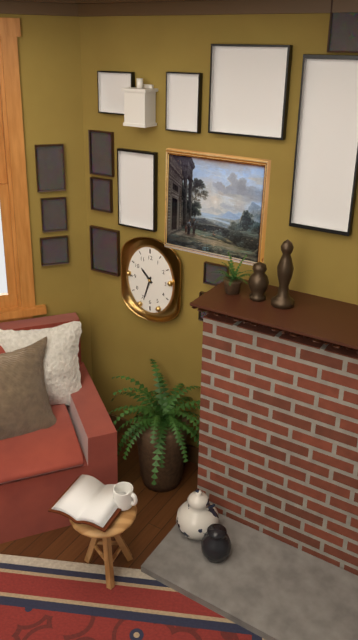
10:33
